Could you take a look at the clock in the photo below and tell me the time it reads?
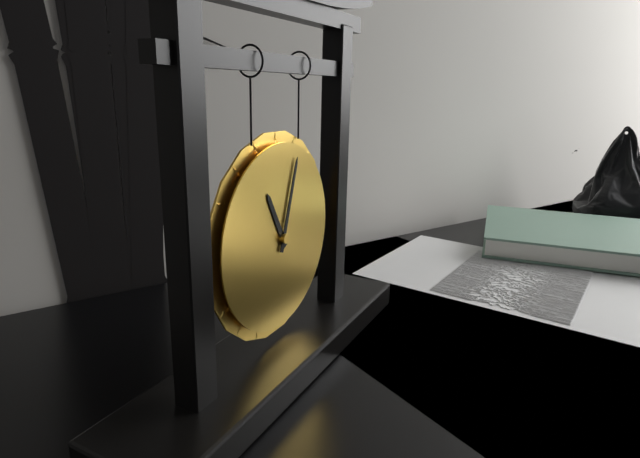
11:03
